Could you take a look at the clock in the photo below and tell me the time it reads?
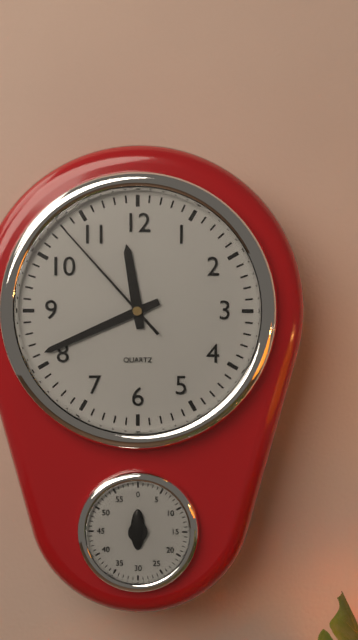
11:41:53
